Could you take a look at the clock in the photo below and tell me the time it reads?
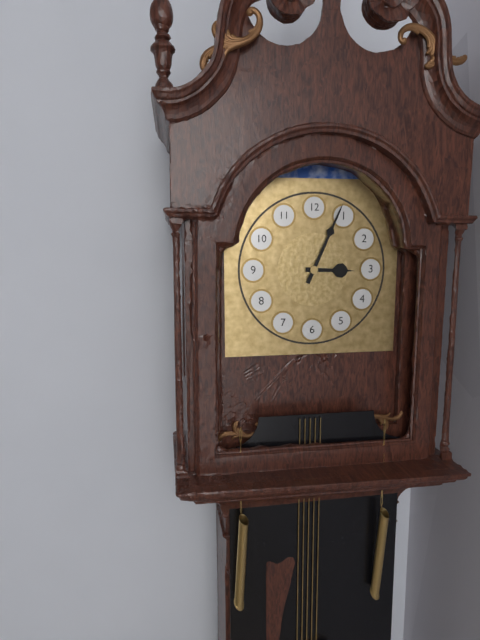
3:04
